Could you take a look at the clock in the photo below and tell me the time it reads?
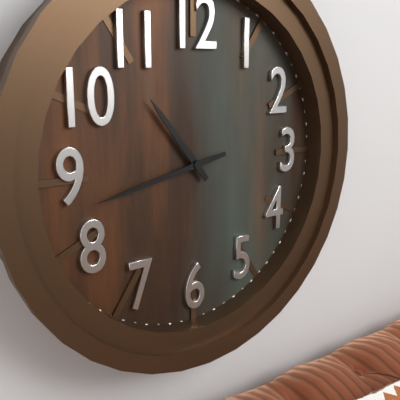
10:43
